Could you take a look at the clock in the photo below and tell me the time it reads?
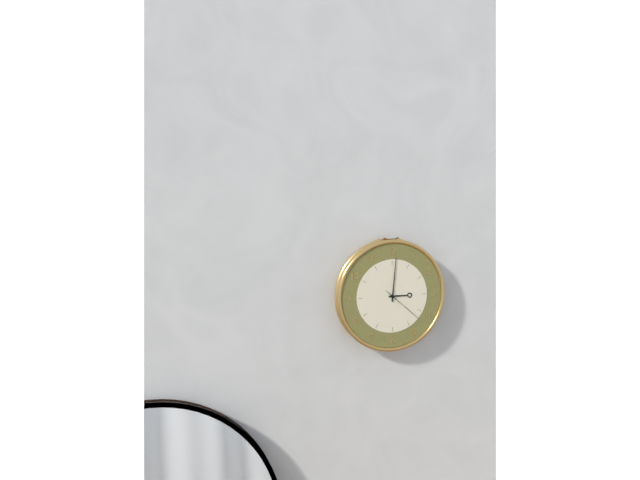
3:01
